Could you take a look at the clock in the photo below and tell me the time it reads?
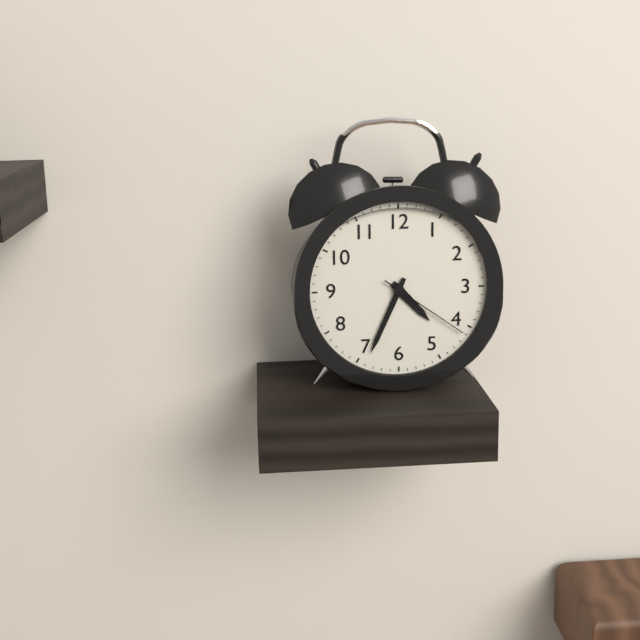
4:34:21
